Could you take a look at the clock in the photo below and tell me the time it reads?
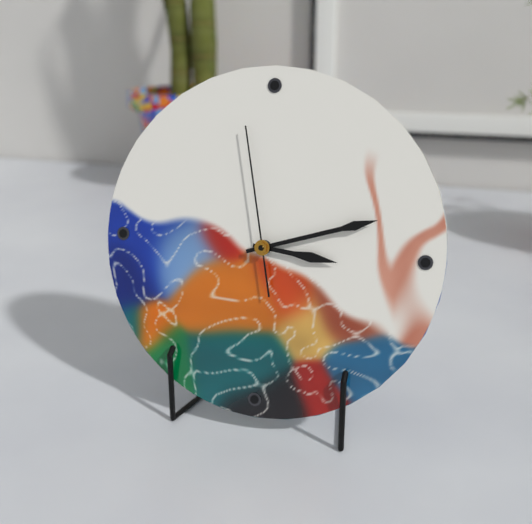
3:12:58
